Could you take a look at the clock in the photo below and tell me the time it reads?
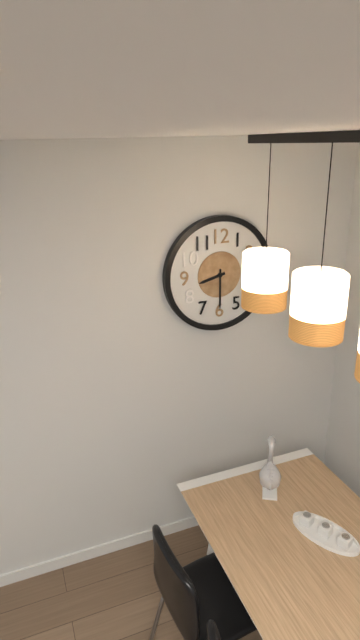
8:30
